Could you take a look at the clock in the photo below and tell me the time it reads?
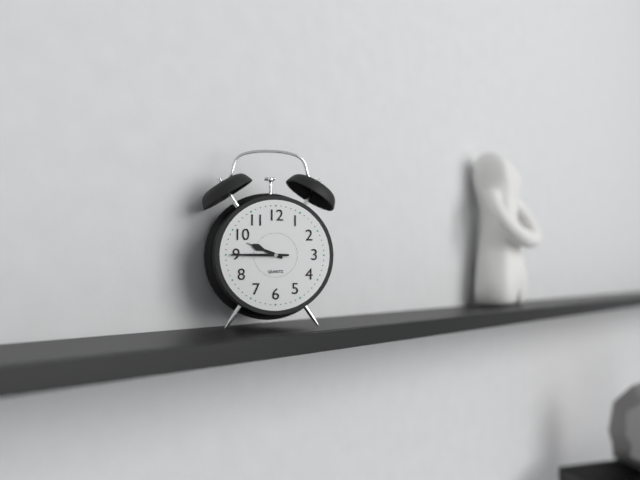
9:45
